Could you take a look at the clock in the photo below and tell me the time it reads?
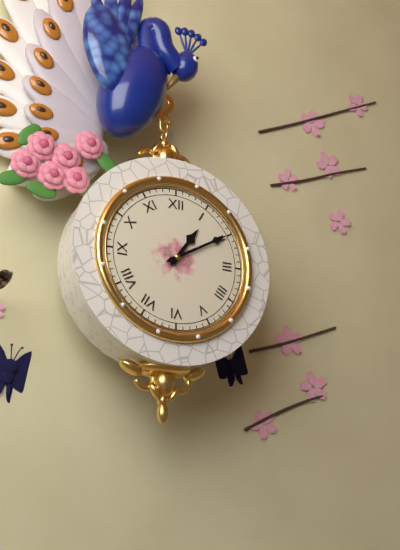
1:10
